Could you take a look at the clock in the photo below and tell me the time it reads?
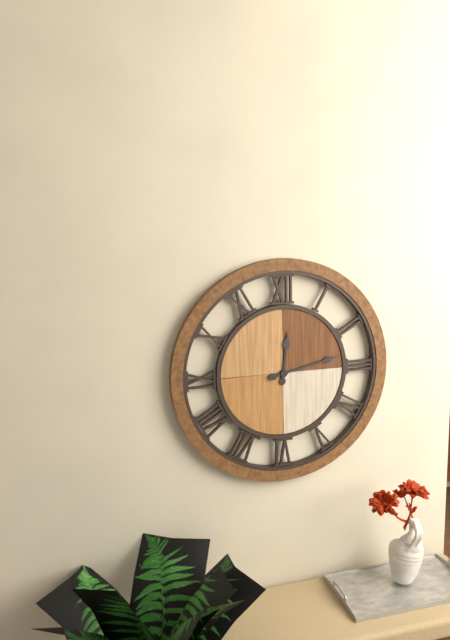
12:13
